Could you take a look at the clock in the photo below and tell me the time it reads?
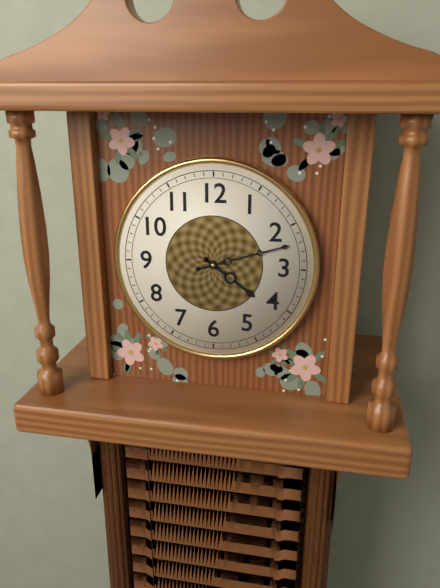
4:12
